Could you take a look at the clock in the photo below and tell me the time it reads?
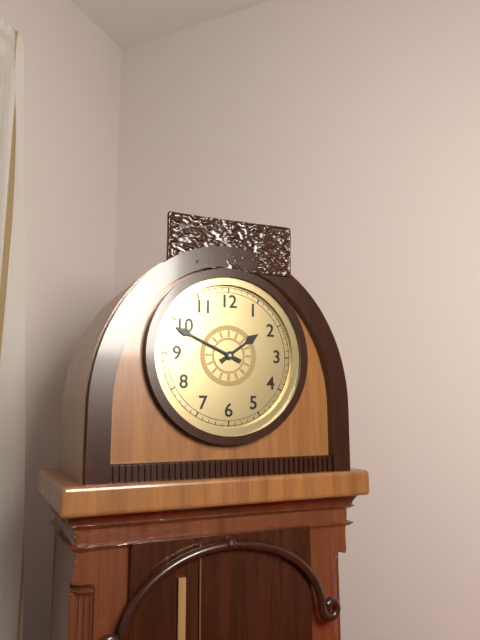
1:49
